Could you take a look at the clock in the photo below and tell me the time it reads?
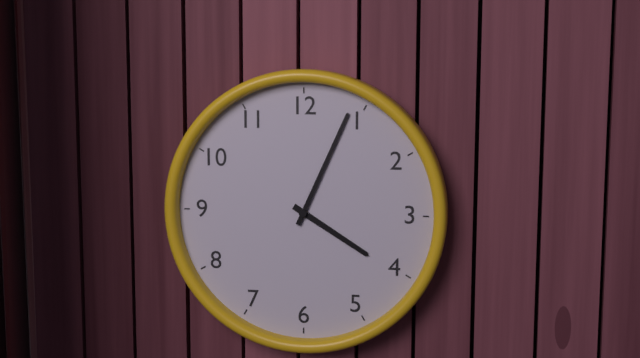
4:04
